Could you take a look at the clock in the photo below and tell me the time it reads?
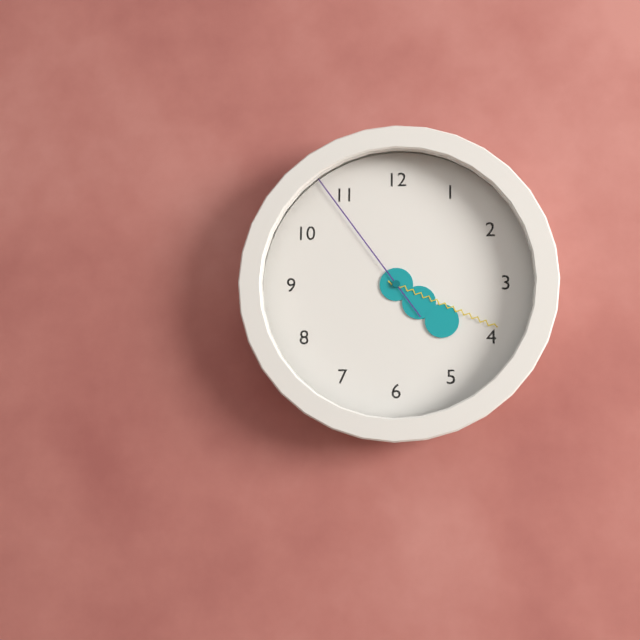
4:19:54
